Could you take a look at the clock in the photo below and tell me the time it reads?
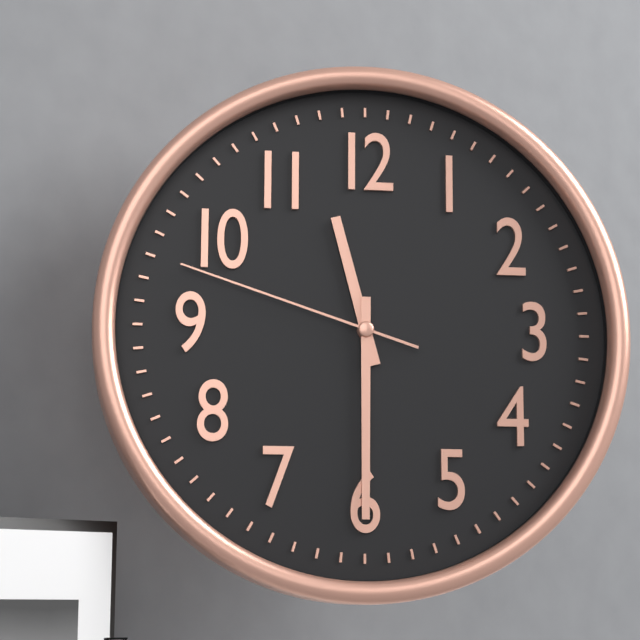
11:30:48
